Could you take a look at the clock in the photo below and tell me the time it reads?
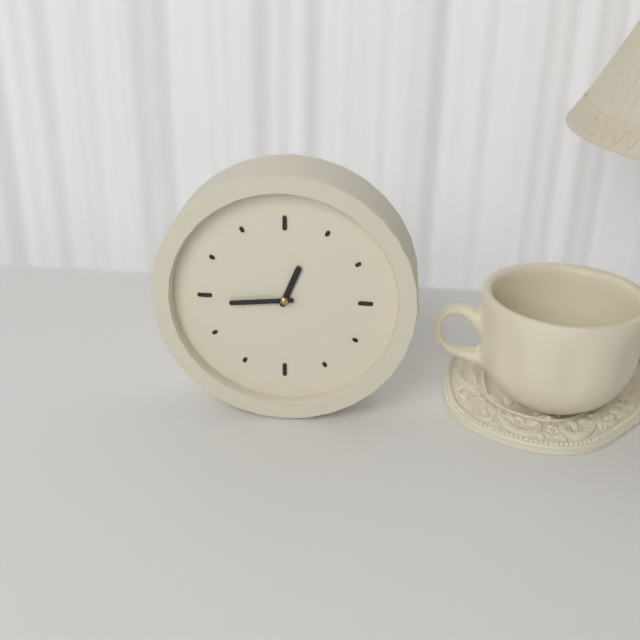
12:44
